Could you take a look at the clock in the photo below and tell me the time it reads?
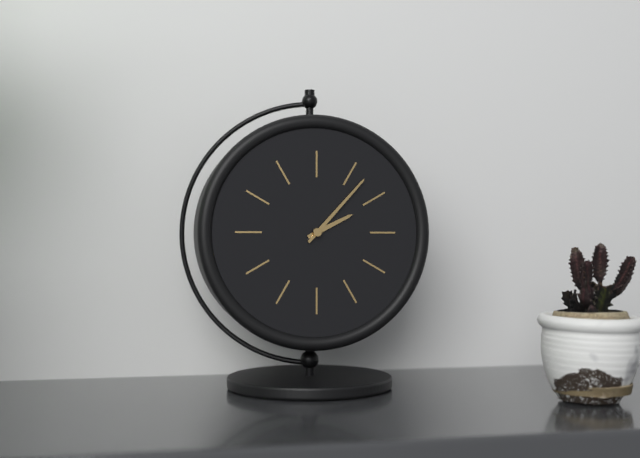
2:07
